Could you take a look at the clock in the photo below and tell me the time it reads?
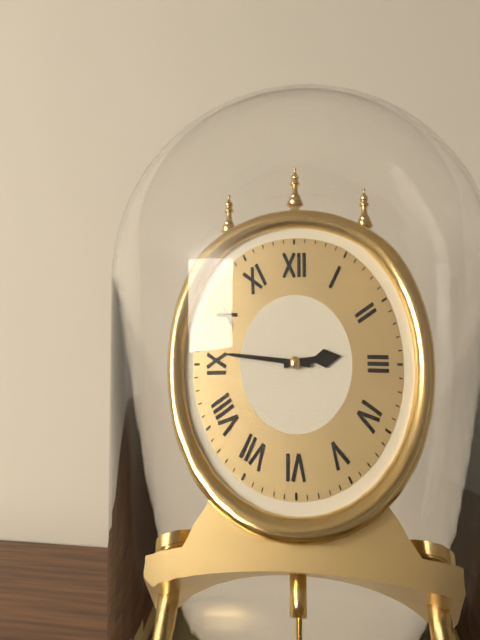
2:46
